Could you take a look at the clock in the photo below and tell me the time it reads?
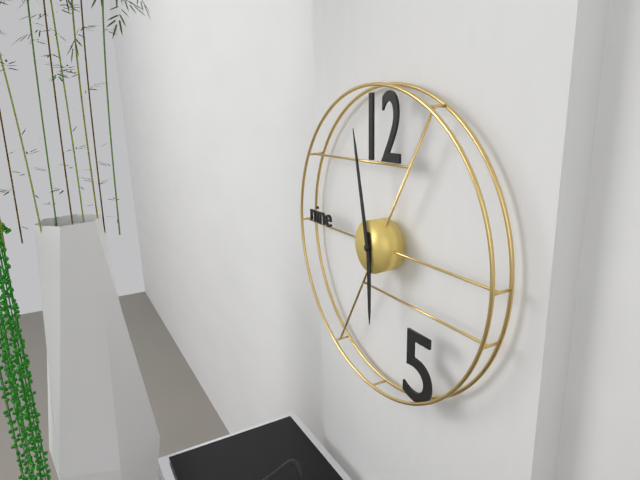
5:58
